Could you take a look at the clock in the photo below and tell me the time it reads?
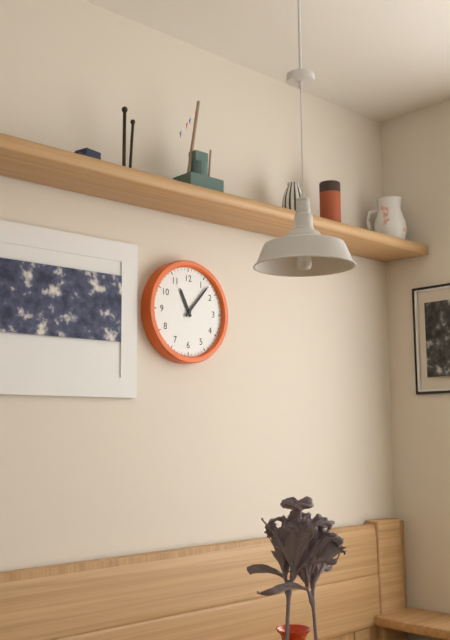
11:07
